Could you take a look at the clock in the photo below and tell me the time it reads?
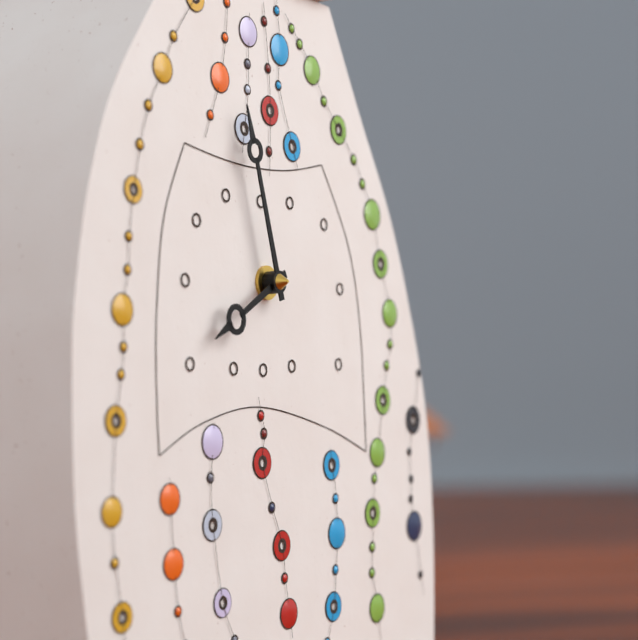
7:57
